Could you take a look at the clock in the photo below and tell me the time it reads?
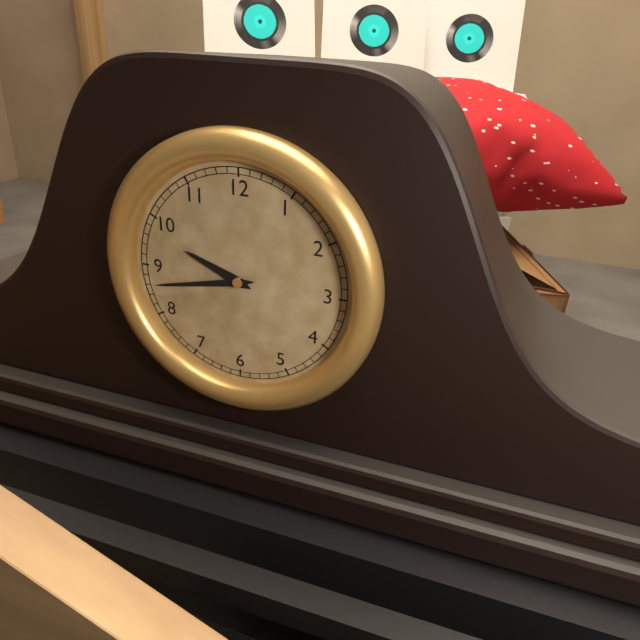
9:43
